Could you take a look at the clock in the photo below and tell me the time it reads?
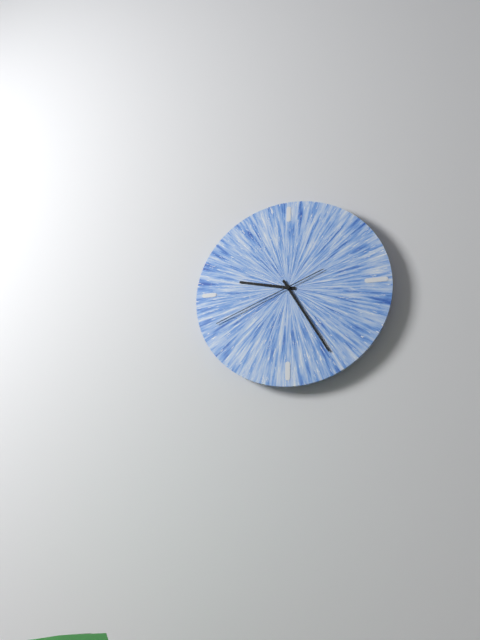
9:25:41
